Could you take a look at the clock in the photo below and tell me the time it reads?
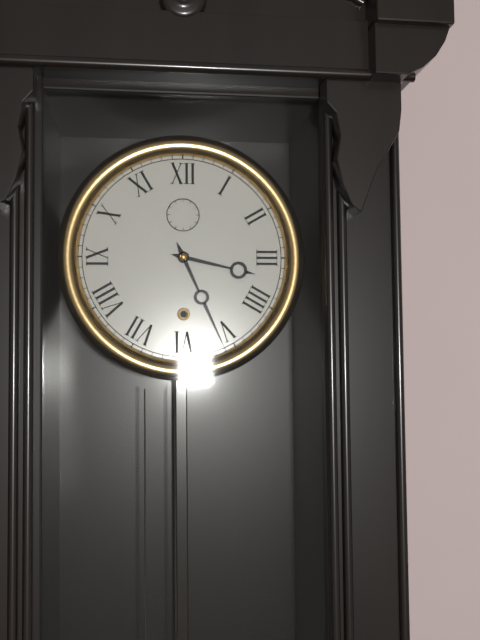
3:26
